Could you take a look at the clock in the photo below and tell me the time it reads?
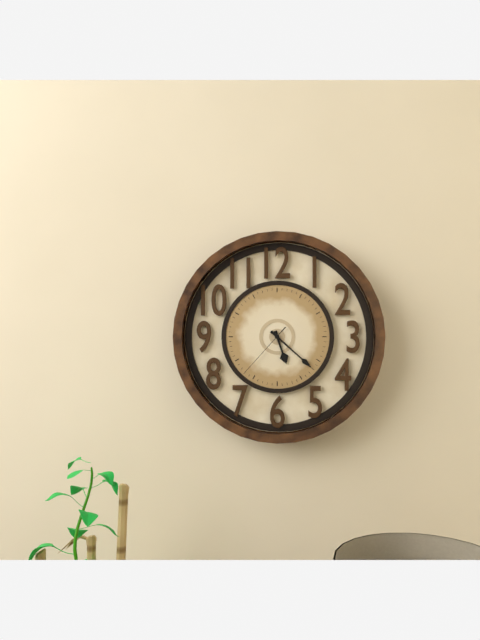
5:22:37
